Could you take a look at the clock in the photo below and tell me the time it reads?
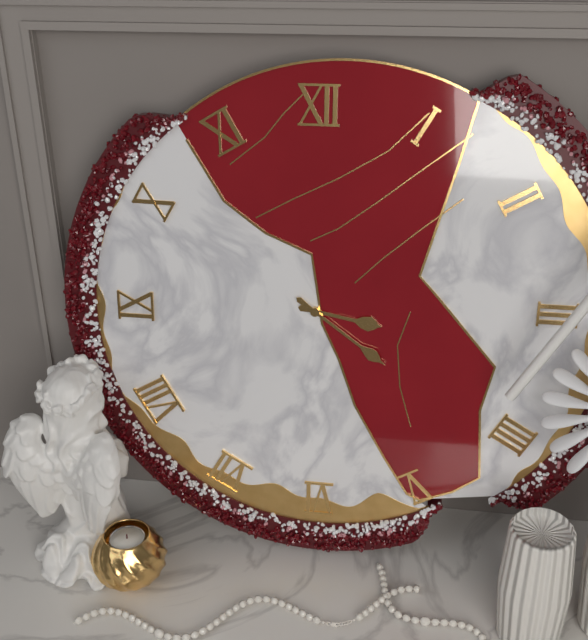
3:21
